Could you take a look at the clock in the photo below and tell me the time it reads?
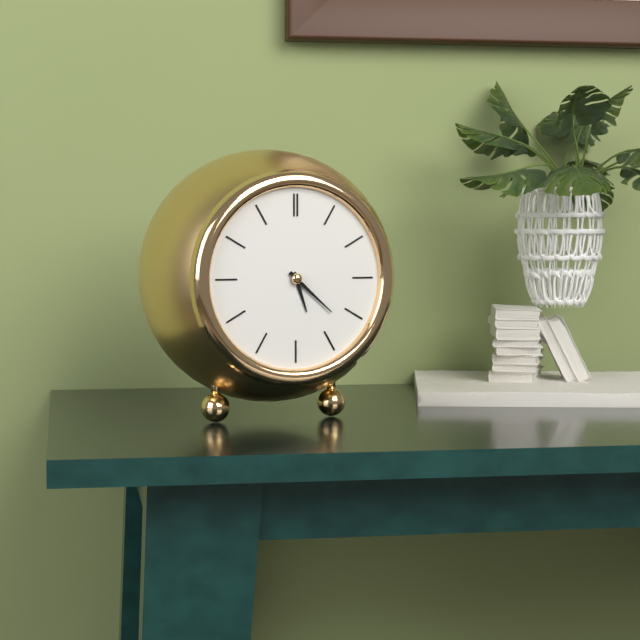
5:22
